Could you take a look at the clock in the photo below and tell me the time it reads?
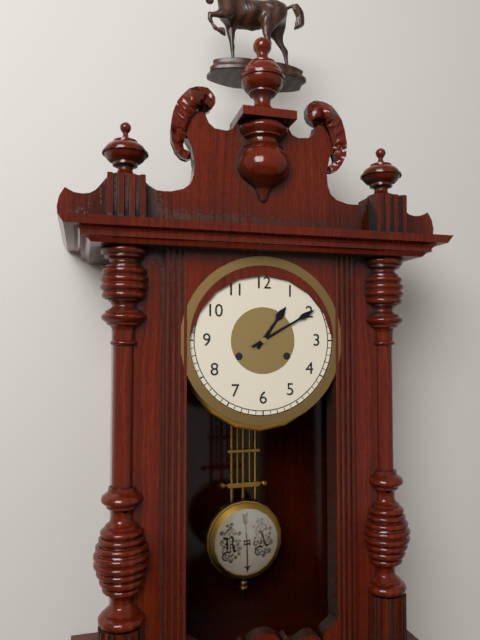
1:10
